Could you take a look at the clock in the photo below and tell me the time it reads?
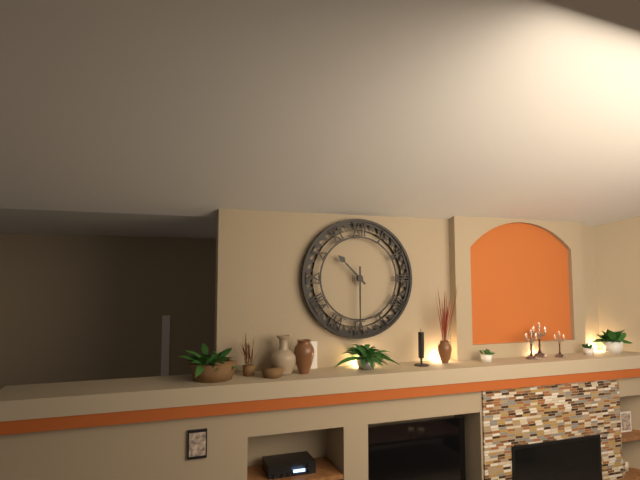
10:30
